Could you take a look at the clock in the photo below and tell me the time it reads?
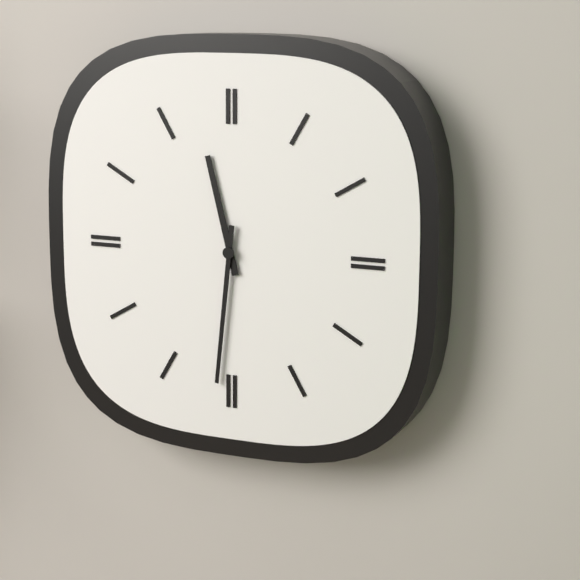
11:31
